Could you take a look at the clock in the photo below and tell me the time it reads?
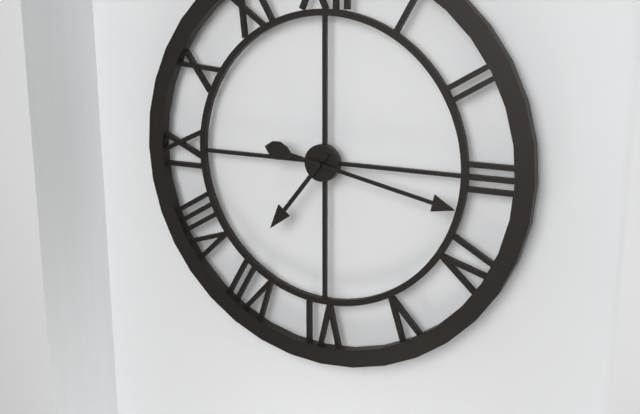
7:17
